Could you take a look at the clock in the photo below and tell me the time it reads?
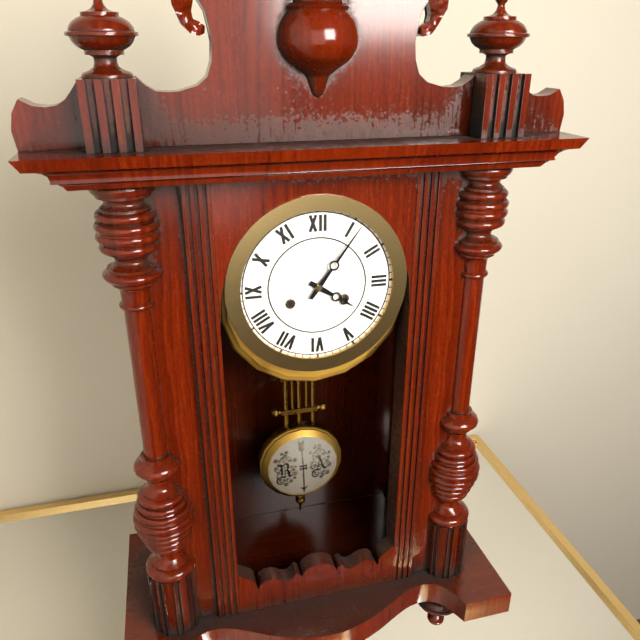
4:06
